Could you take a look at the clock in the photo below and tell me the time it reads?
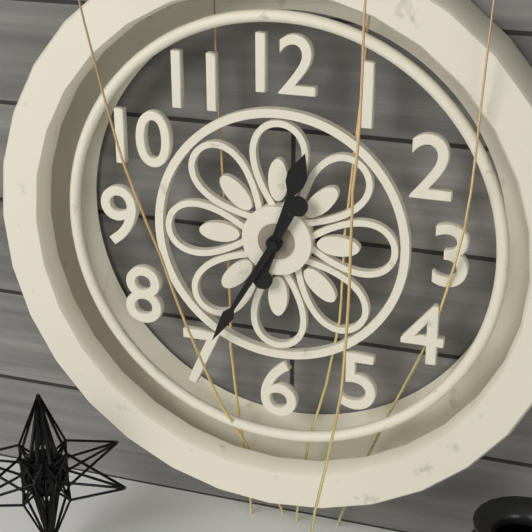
12:35
